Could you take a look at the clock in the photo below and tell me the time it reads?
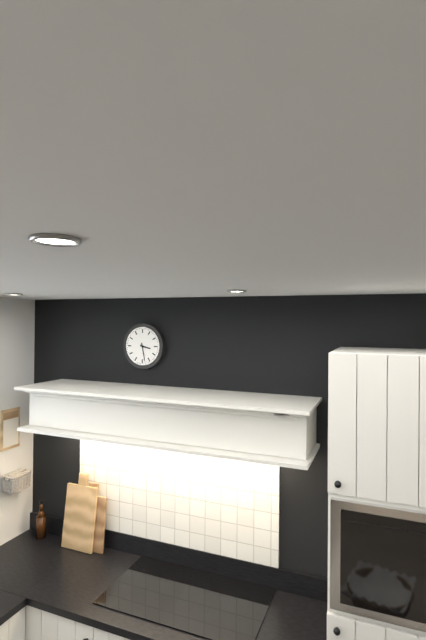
3:28
